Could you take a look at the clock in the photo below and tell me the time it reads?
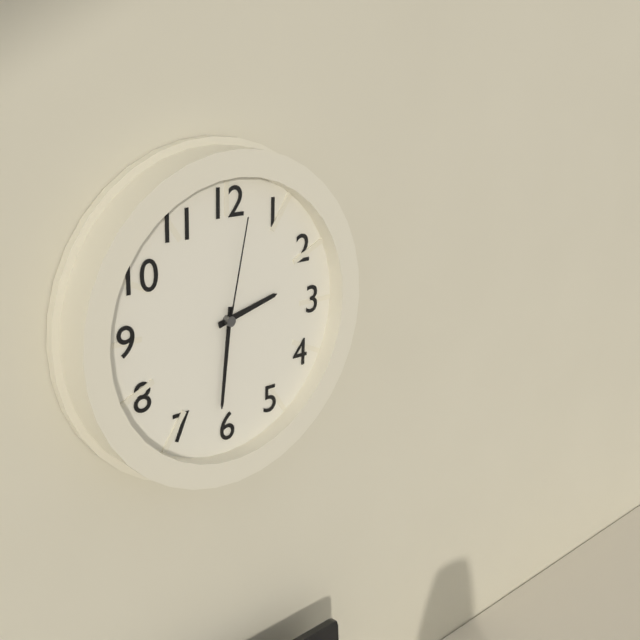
2:31:02
